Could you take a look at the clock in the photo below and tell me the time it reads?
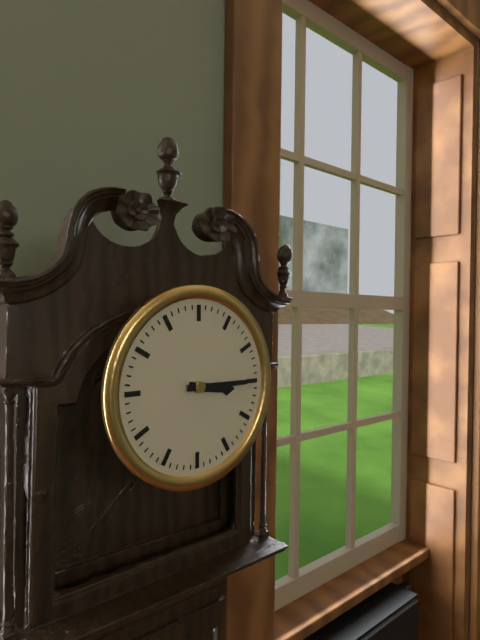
3:15
